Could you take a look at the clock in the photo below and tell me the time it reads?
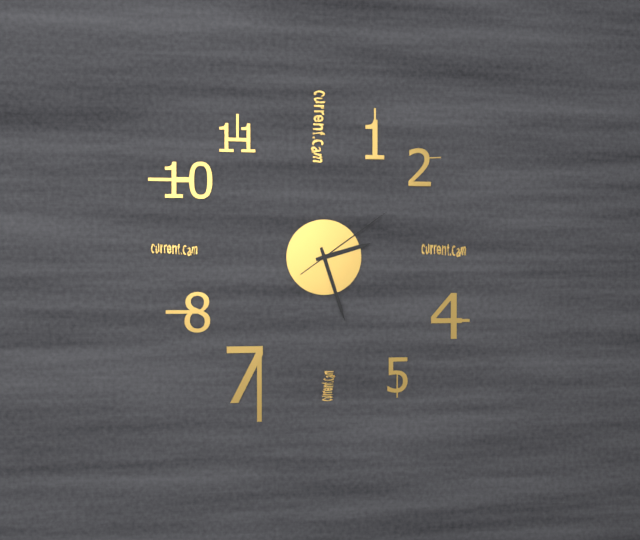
2:27:09
